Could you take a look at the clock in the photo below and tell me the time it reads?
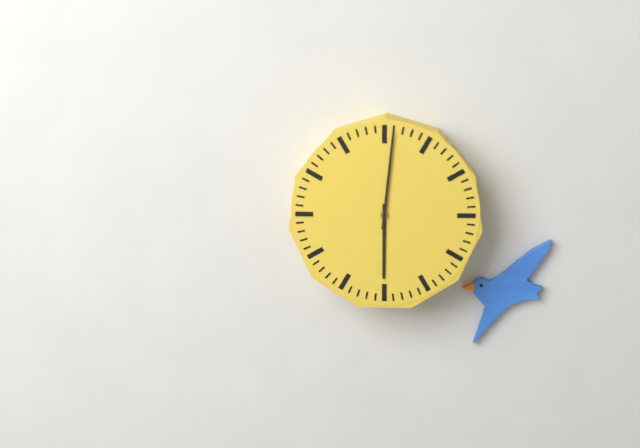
6:01
